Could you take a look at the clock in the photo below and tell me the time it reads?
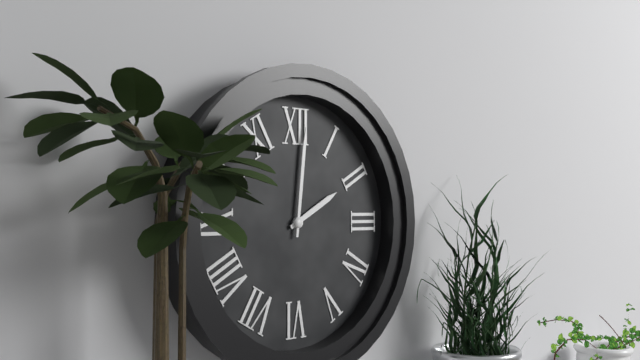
2:01
